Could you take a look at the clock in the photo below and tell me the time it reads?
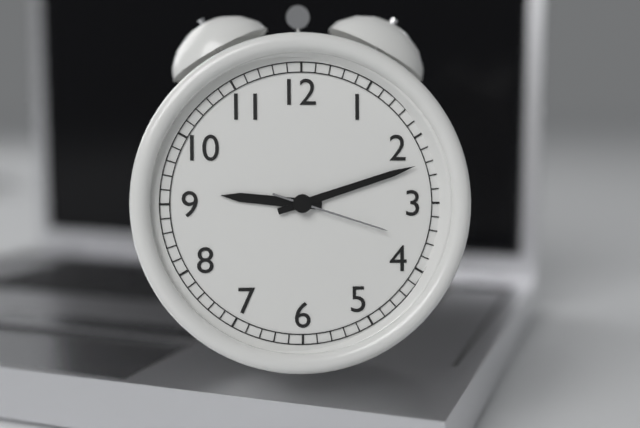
9:12:18
